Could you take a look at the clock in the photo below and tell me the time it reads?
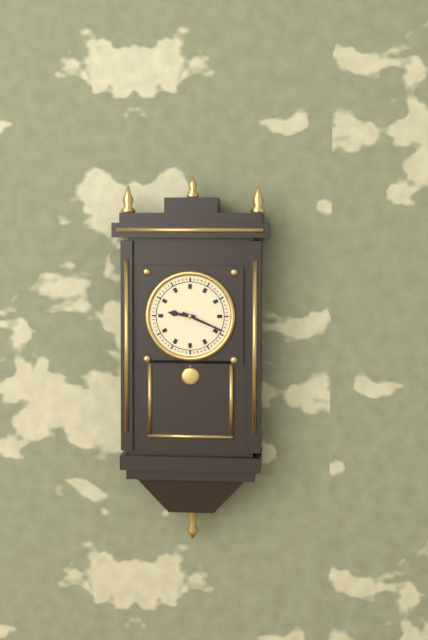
9:19
